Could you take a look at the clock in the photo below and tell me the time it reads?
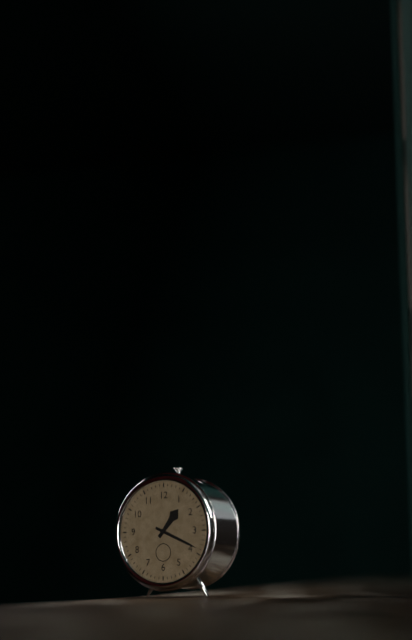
1:19
